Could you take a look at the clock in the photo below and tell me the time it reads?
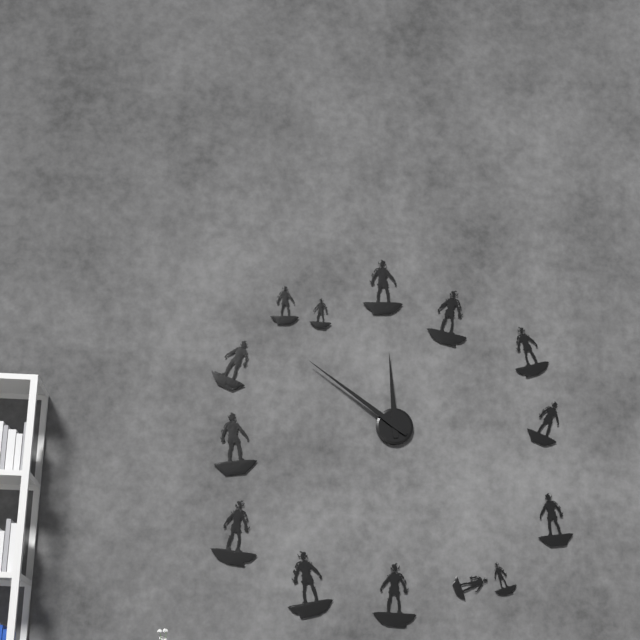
11:51
